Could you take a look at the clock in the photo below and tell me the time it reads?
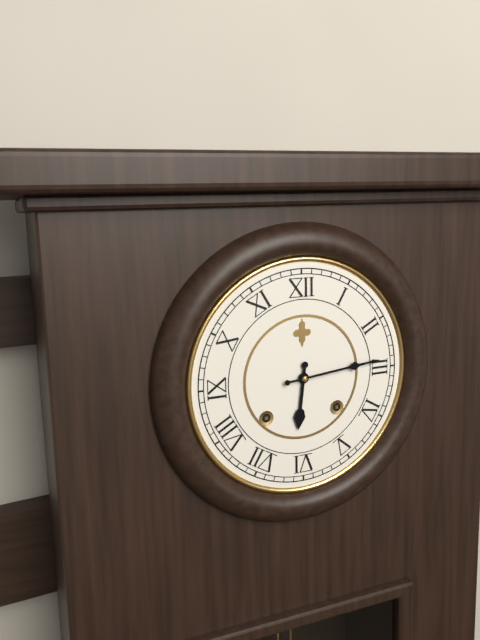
6:14
